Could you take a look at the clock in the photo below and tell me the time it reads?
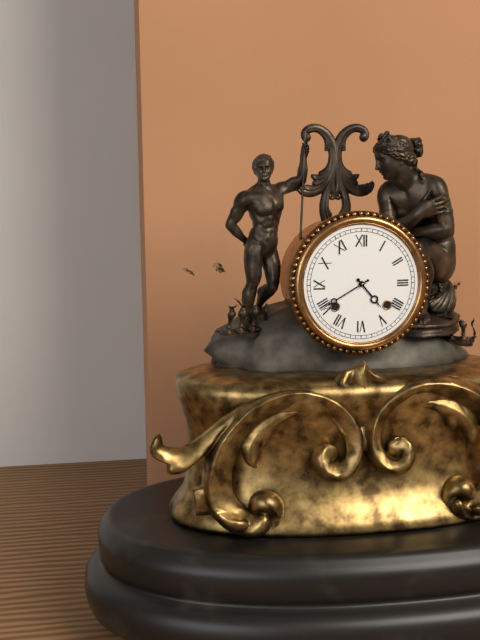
4:40
